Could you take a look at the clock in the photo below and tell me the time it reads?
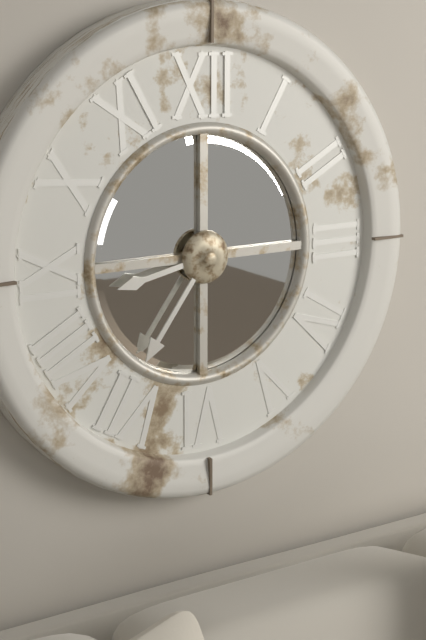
8:36
